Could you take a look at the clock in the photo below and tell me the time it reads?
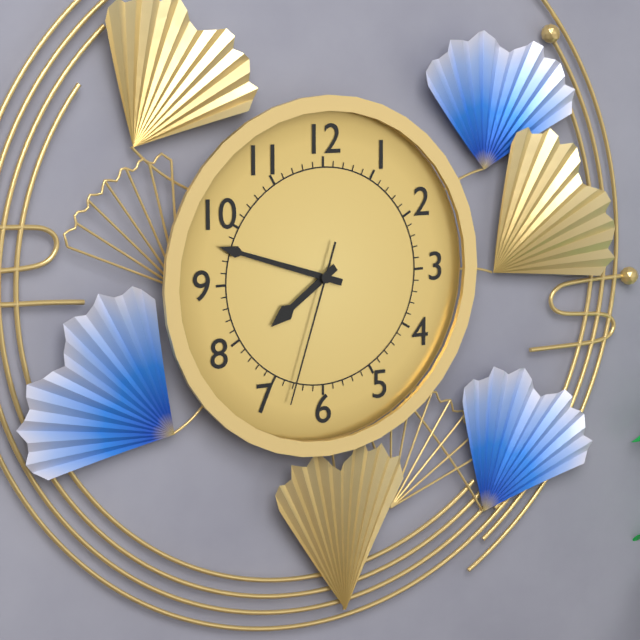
7:48:33
